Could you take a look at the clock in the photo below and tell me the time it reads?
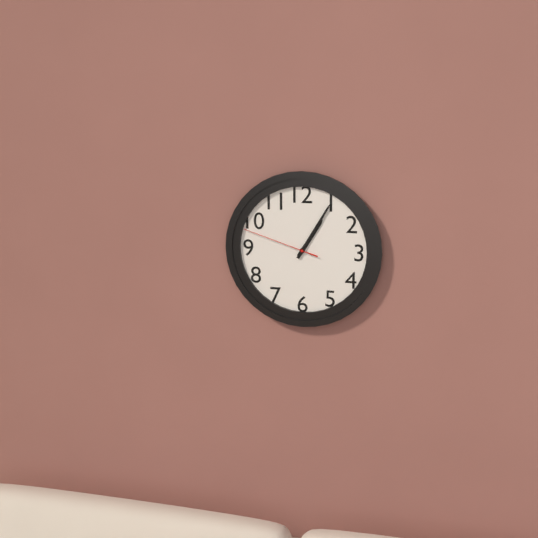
1:05:48
